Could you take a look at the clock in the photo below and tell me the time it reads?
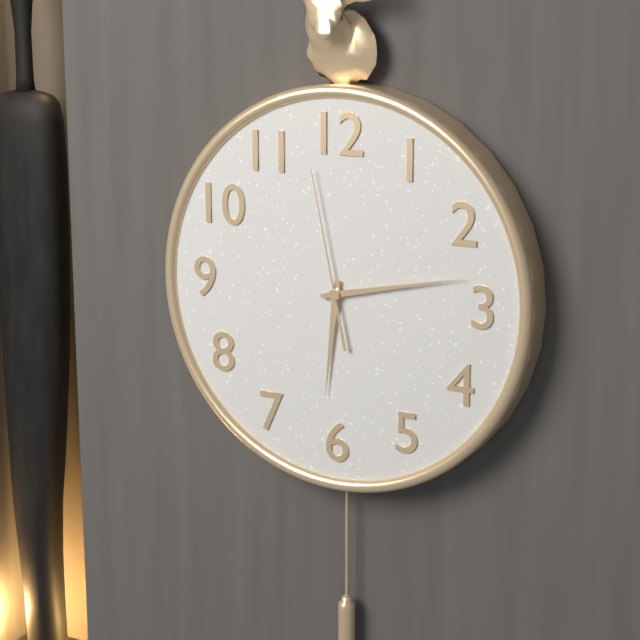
6:13:58
